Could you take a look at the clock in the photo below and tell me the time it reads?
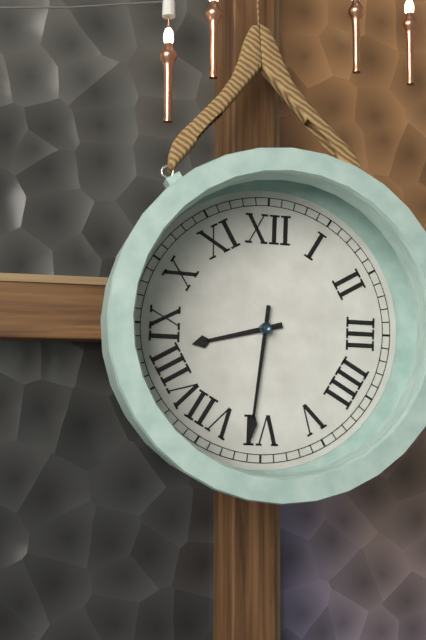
8:31
